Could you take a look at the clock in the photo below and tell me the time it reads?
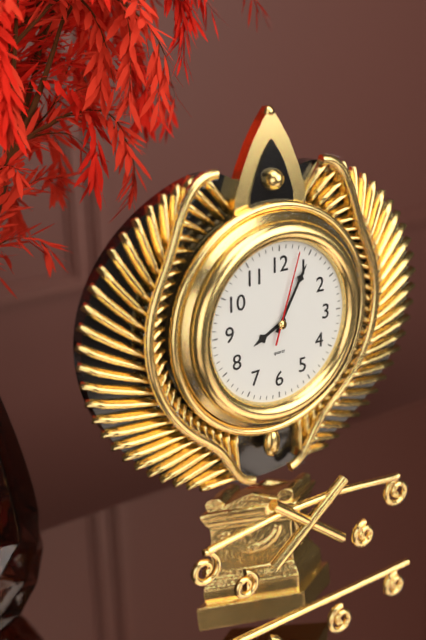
8:05:03
